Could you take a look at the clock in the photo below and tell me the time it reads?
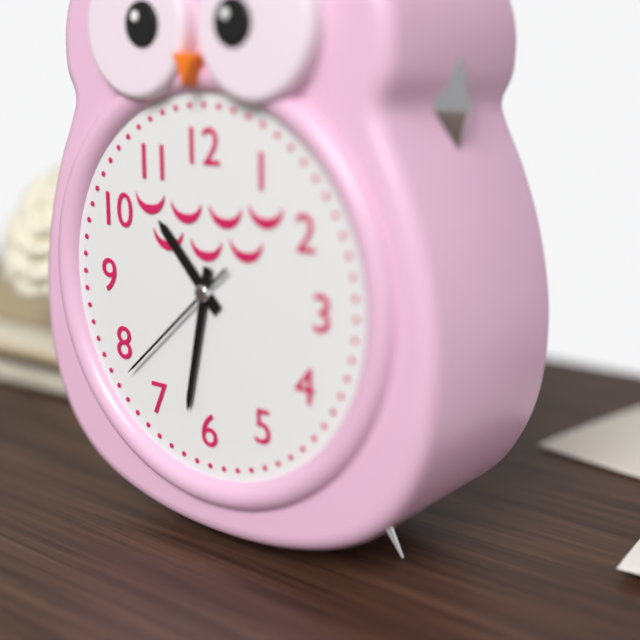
10:32:38
